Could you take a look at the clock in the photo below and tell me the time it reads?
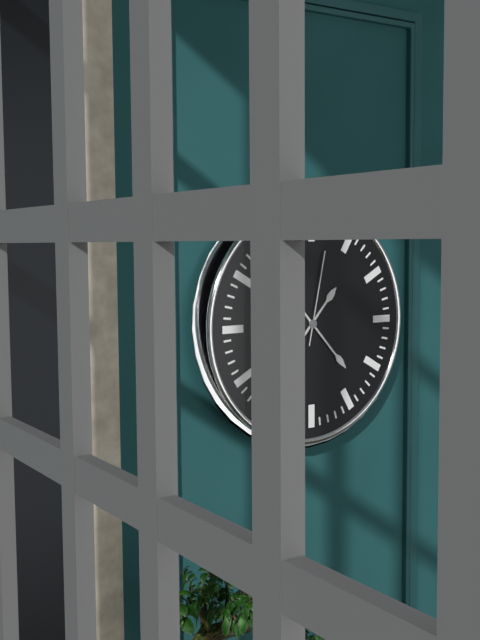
1:23:02
